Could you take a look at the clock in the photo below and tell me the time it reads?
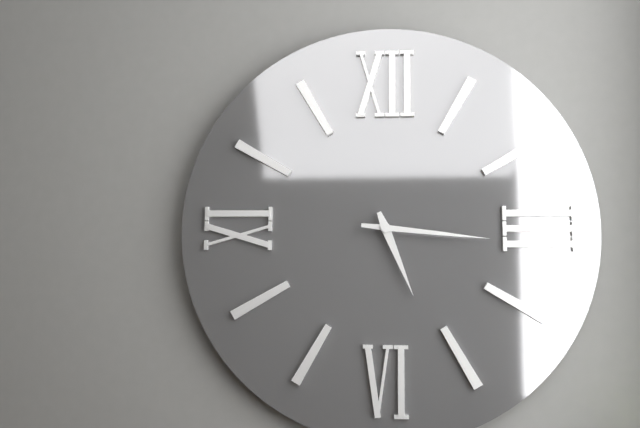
5:16
